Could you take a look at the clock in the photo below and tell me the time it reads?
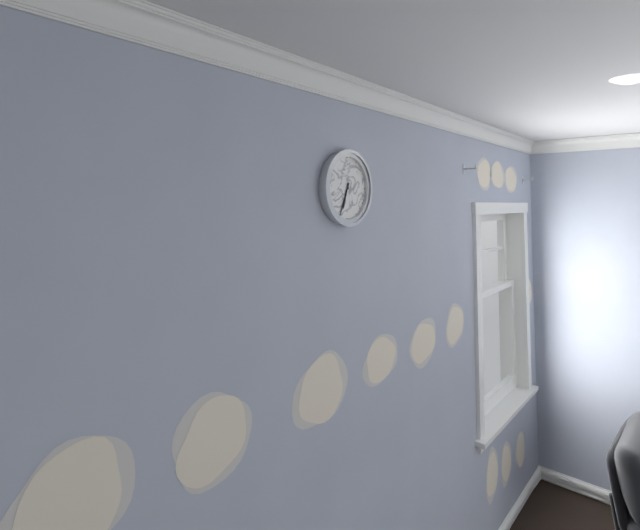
6:34
